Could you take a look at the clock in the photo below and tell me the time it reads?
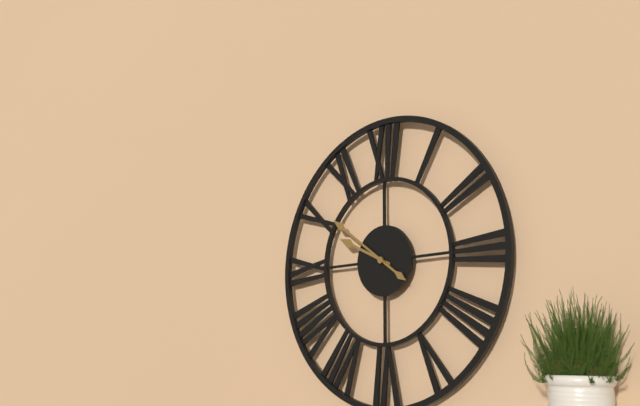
9:51
